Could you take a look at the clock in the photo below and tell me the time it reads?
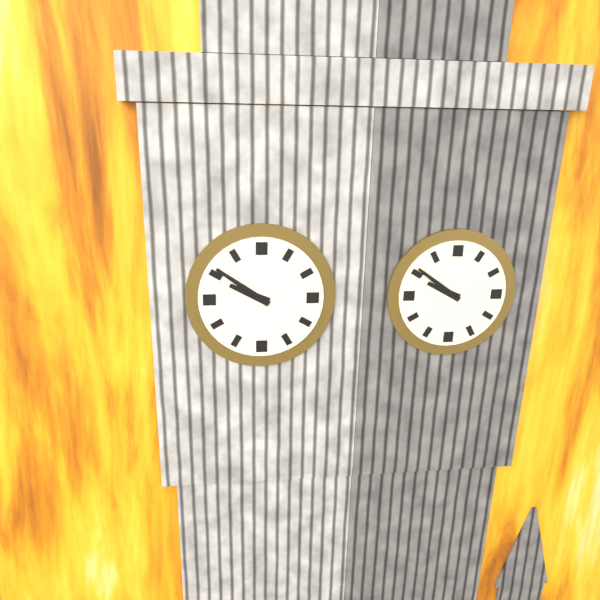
9:51
